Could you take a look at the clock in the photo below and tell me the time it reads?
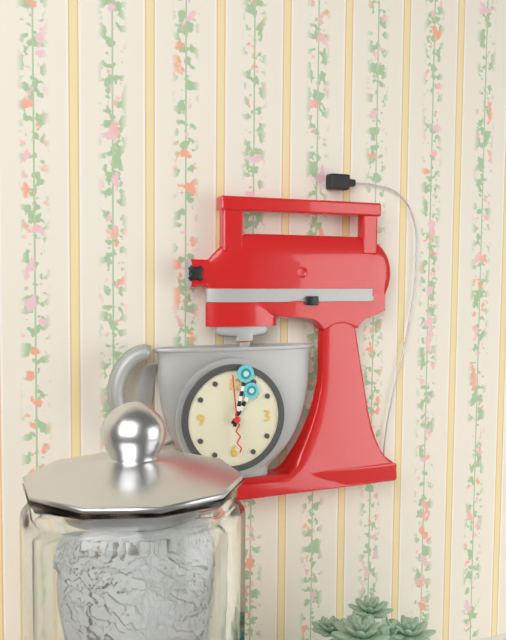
1:02
